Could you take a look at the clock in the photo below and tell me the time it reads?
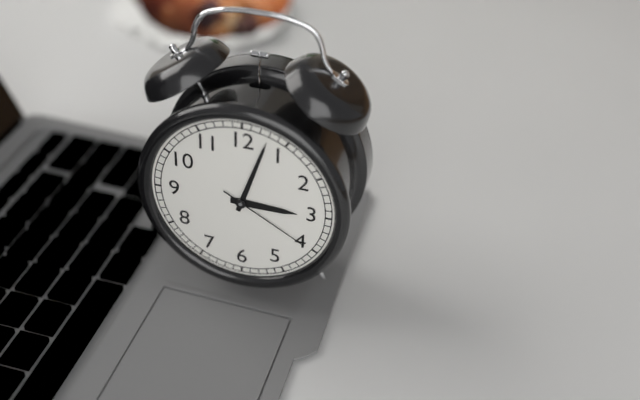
3:03:20
